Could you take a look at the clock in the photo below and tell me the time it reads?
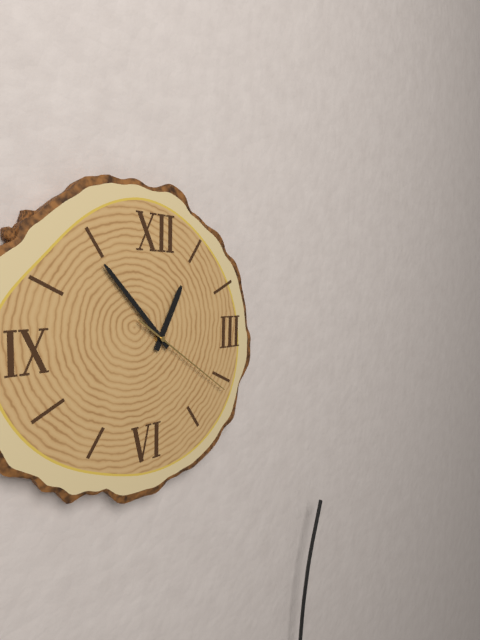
12:53:21
